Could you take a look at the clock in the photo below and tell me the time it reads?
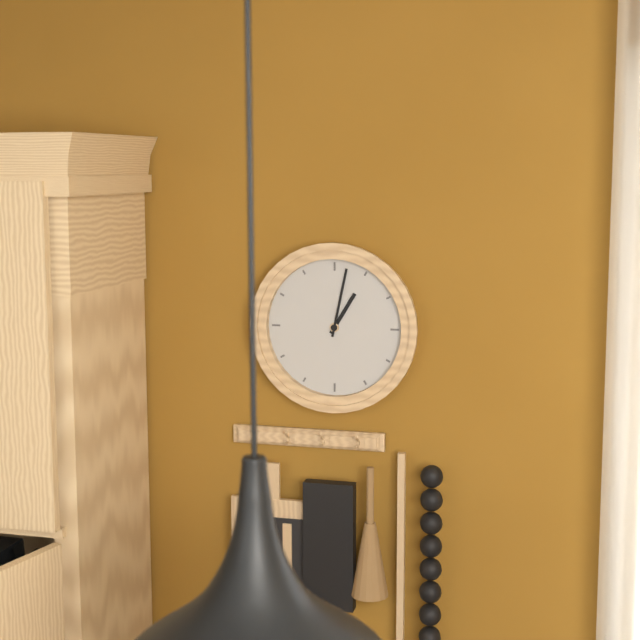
1:02
